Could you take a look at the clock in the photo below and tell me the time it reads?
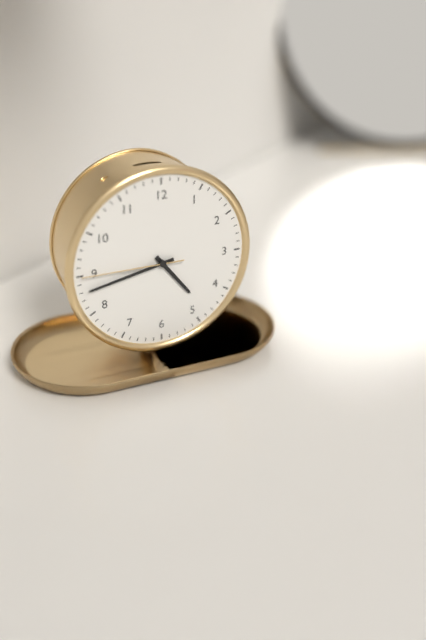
4:43:45
